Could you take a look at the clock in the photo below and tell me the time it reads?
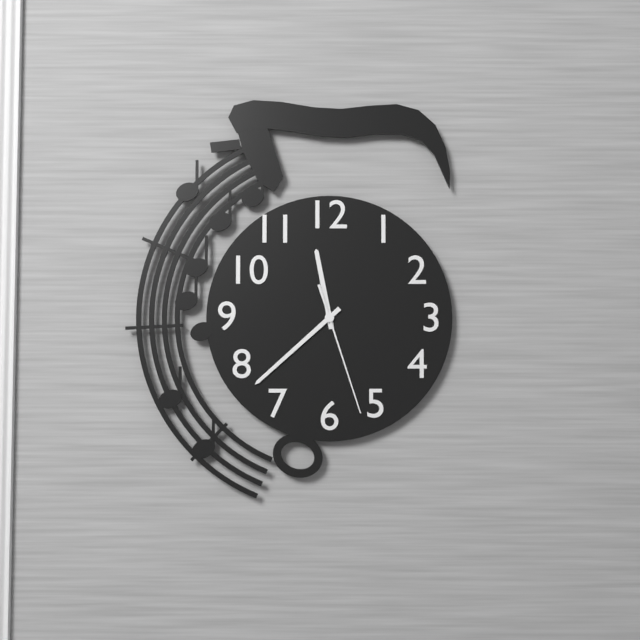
11:38:27
